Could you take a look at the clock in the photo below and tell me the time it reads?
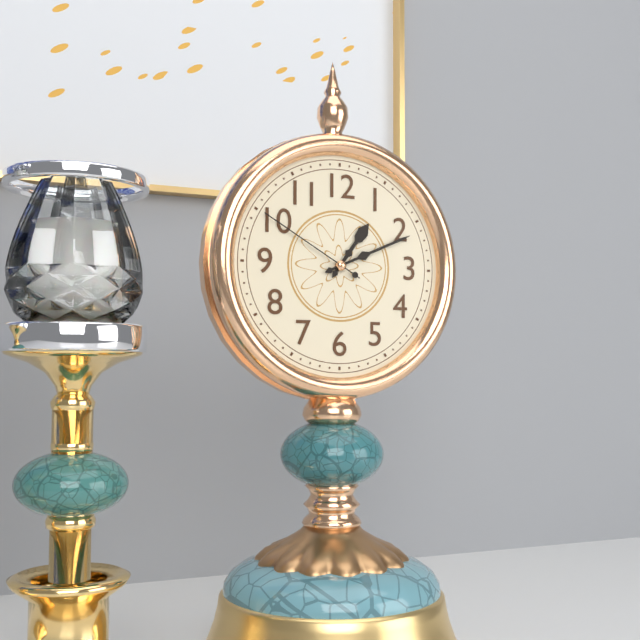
1:11:50
